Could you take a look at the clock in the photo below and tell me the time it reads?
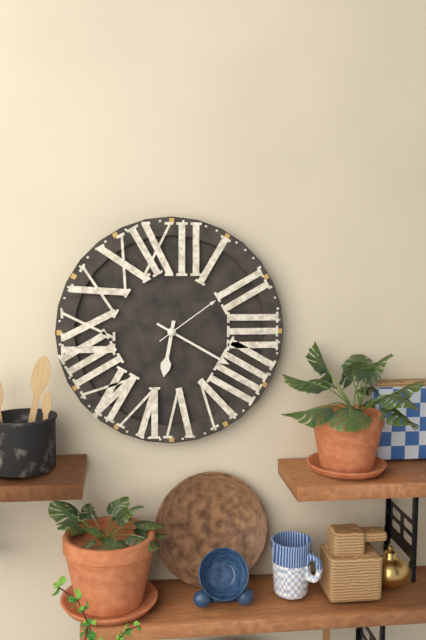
6:20:09
